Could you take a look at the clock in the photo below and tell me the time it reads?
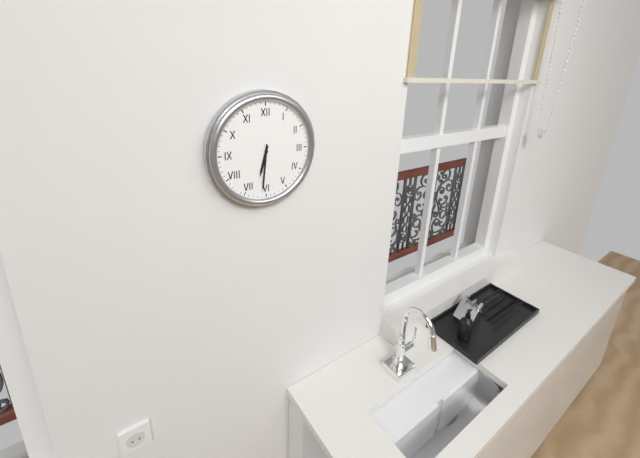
6:31
